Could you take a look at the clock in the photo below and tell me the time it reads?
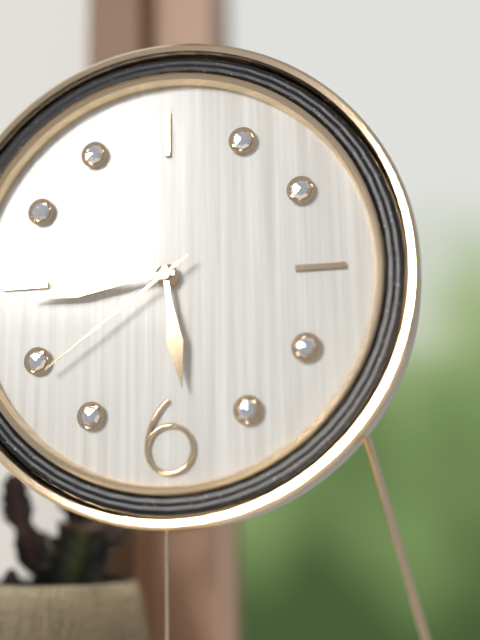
5:44:39
